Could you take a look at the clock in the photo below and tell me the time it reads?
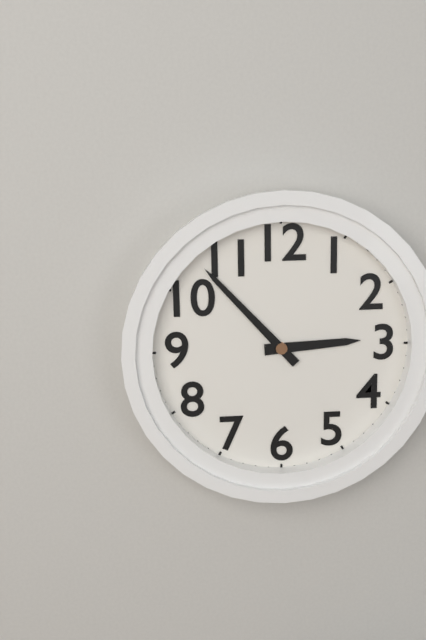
2:53
